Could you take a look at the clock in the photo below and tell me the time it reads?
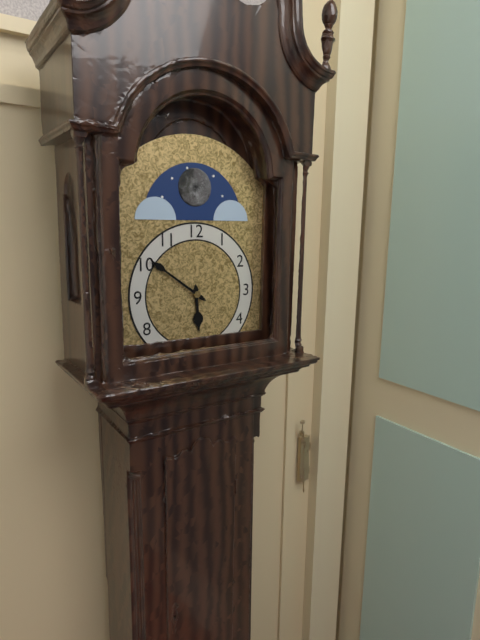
5:51
